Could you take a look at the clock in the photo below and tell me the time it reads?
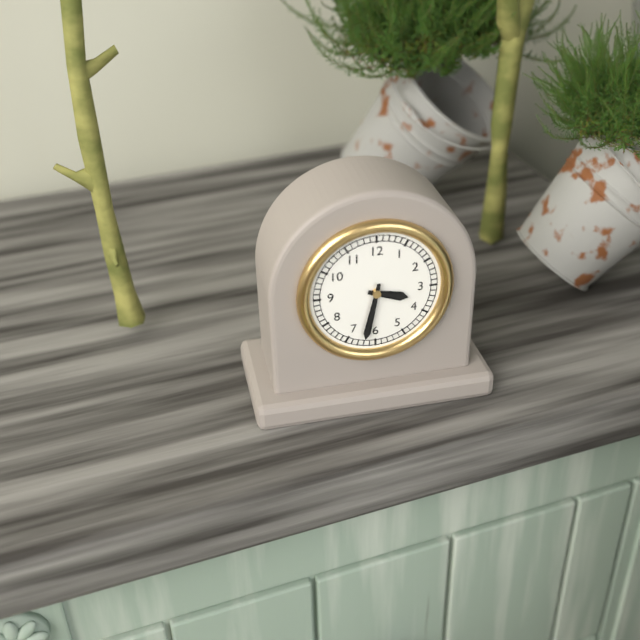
3:32
